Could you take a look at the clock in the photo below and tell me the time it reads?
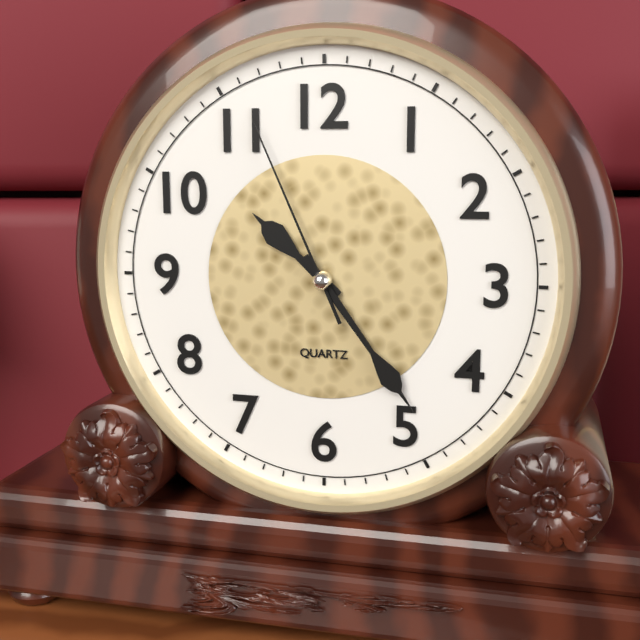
10:24:56
